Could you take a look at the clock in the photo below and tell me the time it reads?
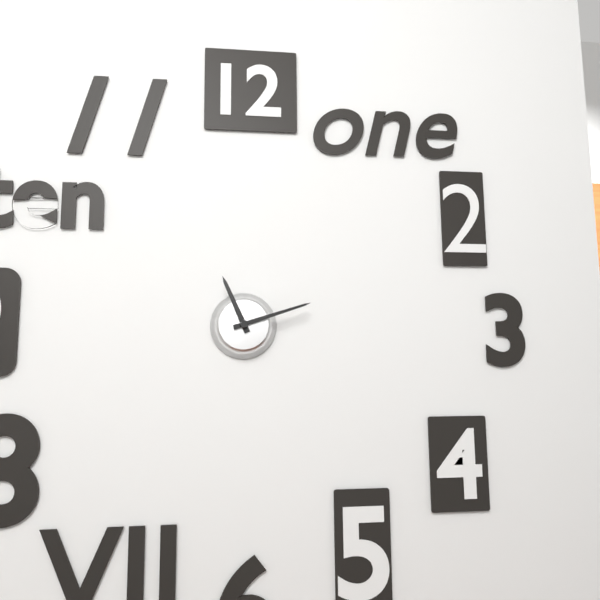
11:12
